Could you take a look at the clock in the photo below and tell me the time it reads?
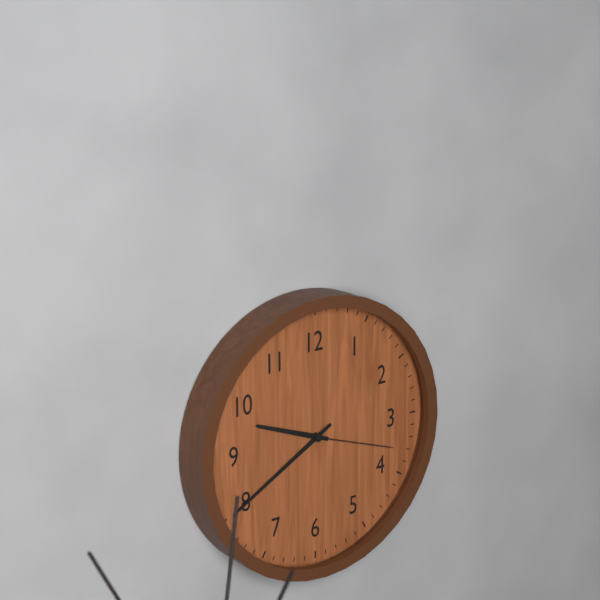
9:40:18
